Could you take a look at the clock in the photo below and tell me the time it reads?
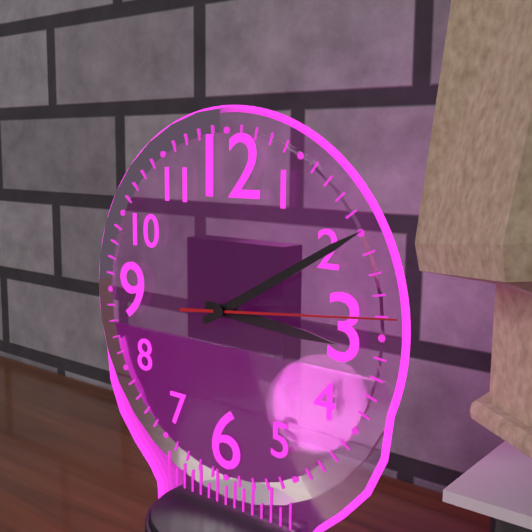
3:10:14
